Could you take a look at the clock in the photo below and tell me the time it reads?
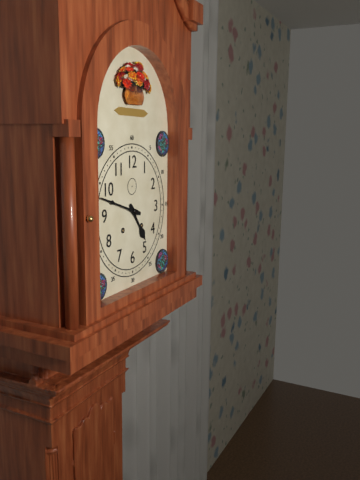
4:48
